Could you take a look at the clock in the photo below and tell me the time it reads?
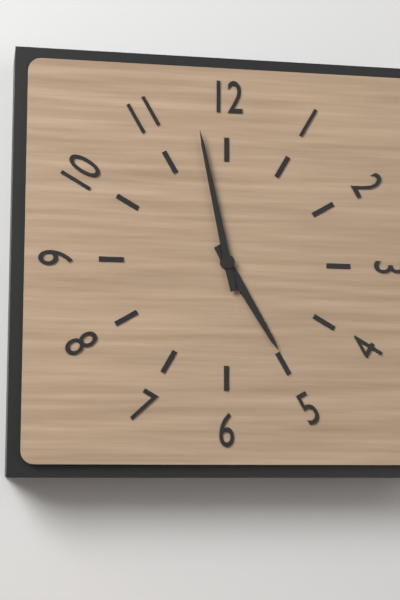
4:58
